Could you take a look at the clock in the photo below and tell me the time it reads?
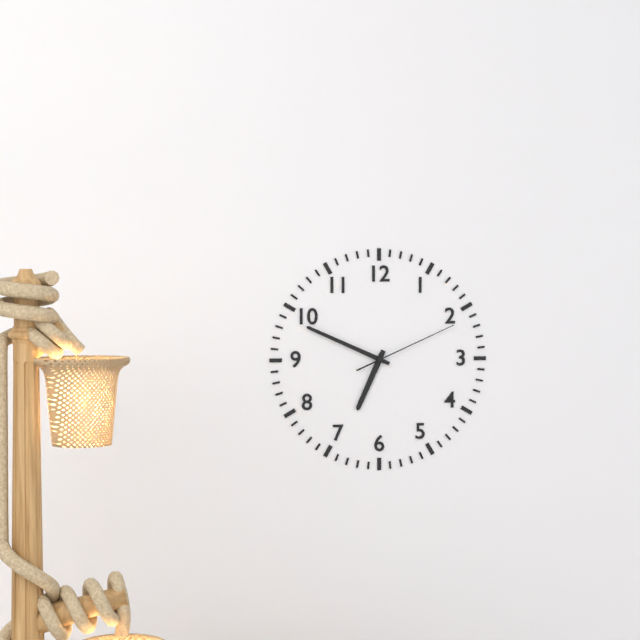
6:49:11
